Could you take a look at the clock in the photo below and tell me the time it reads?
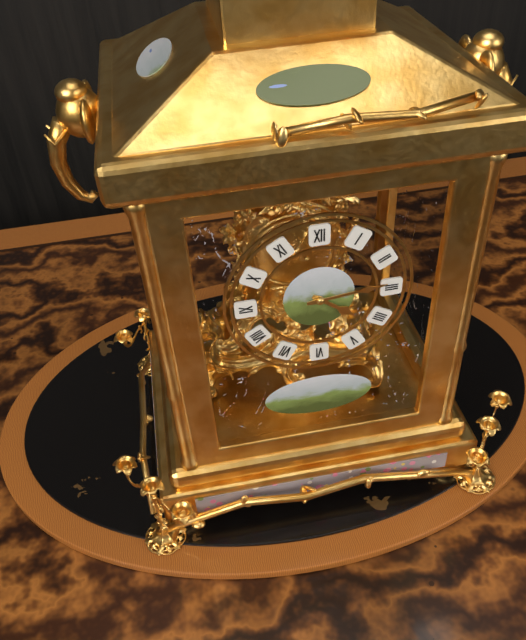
4:14
